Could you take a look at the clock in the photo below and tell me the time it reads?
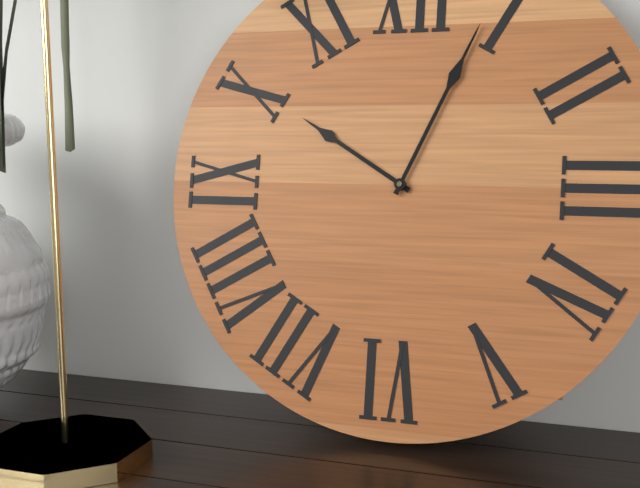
10:04
